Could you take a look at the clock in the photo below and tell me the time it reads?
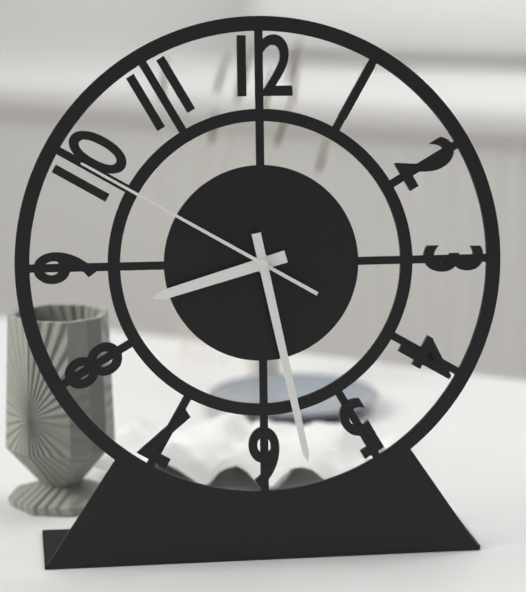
8:28:50
